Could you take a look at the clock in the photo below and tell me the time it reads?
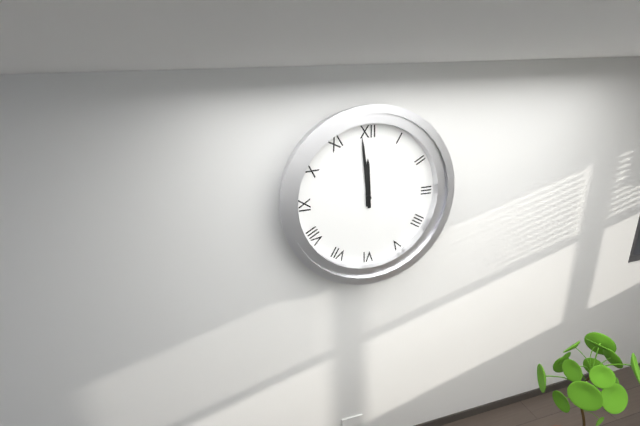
11:59
